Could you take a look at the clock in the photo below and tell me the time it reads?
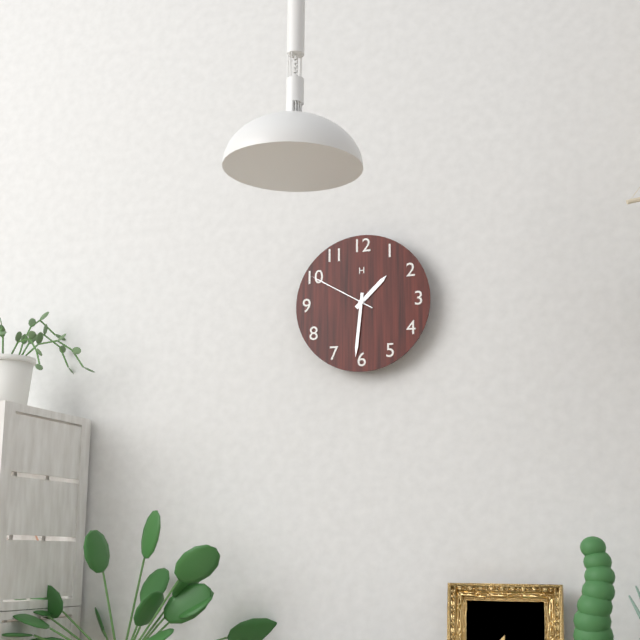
1:31:50
